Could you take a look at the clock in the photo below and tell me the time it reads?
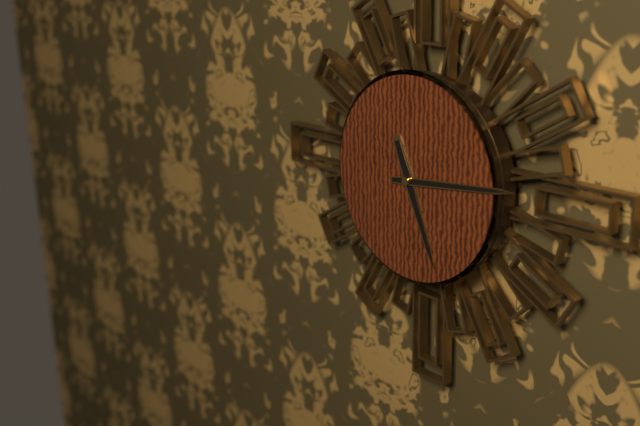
5:14
